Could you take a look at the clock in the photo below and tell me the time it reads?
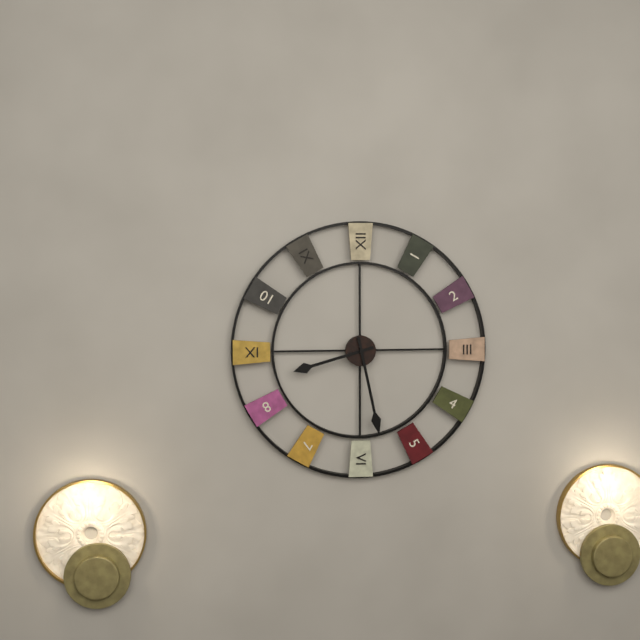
8:28
